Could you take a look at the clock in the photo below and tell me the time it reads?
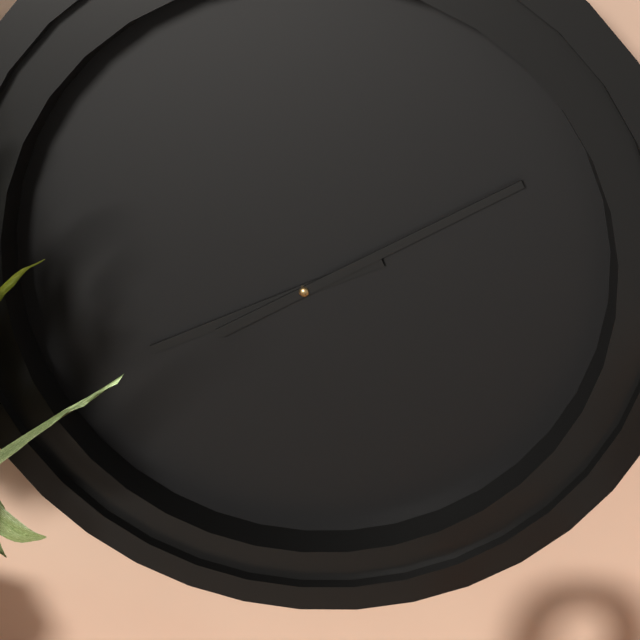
8:10
